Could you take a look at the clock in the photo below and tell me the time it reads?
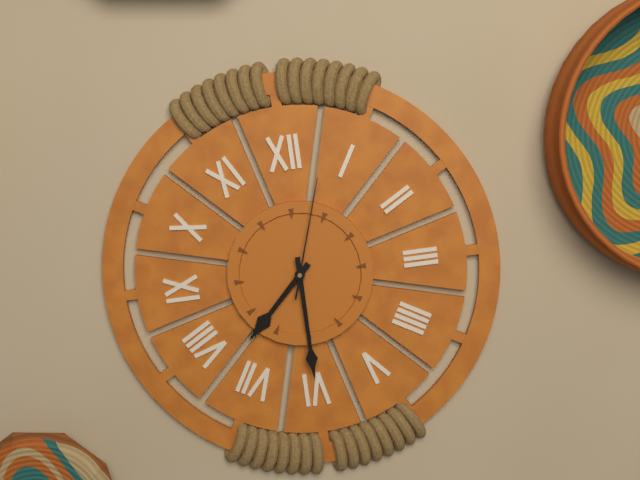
7:30:03
